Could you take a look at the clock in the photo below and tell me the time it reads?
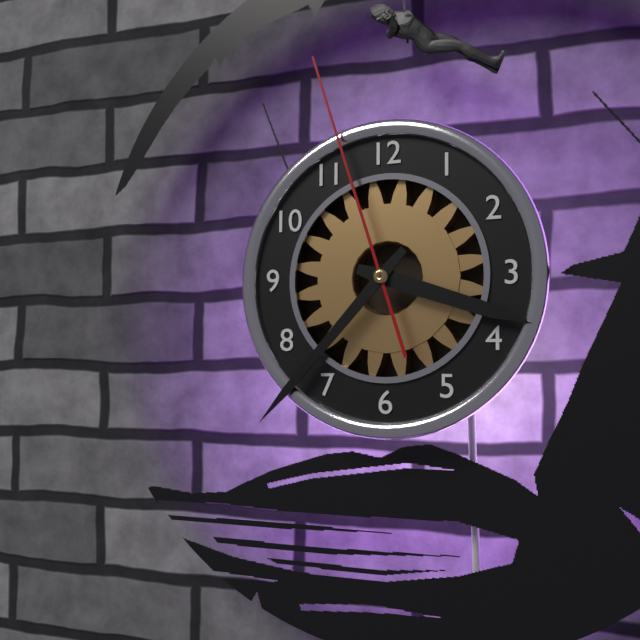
3:37:57
